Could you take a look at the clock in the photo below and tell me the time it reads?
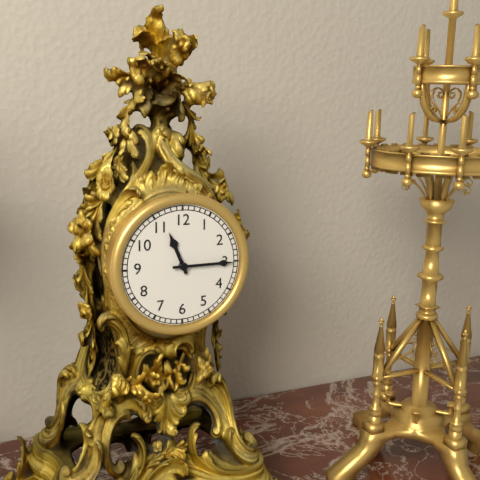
11:15
